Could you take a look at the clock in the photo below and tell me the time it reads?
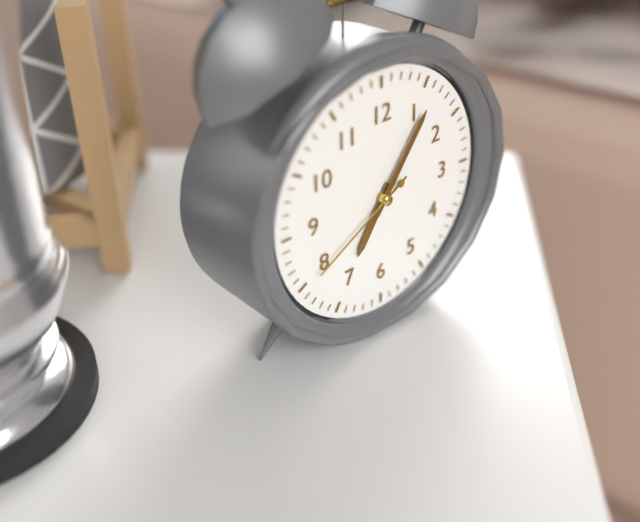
7:06:40
